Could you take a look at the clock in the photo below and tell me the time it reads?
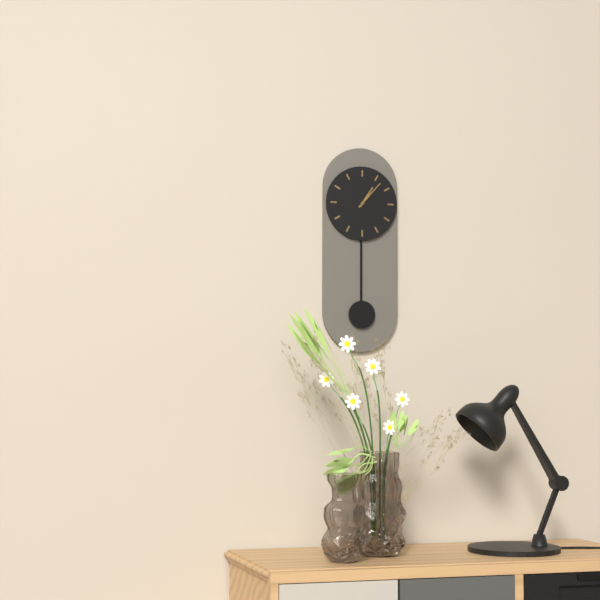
1:07
